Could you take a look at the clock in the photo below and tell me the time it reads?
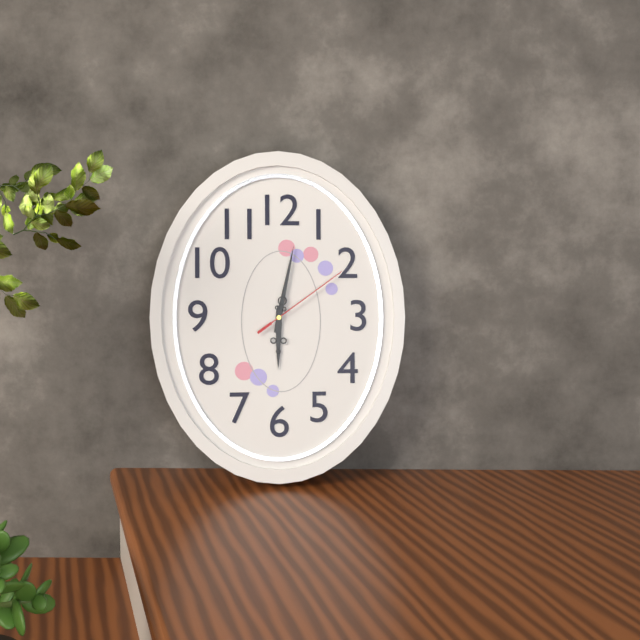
6:02:09
